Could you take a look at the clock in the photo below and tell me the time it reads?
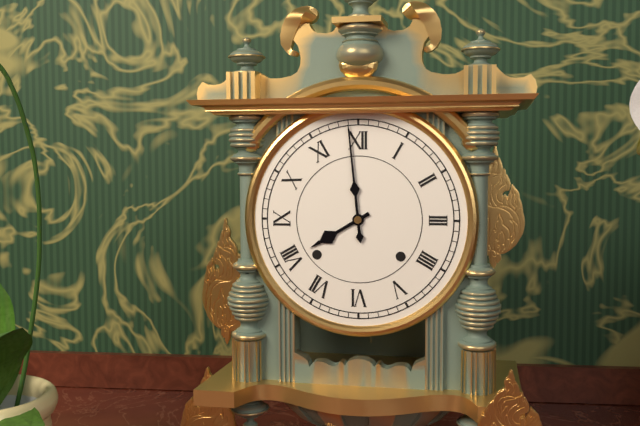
7:59
